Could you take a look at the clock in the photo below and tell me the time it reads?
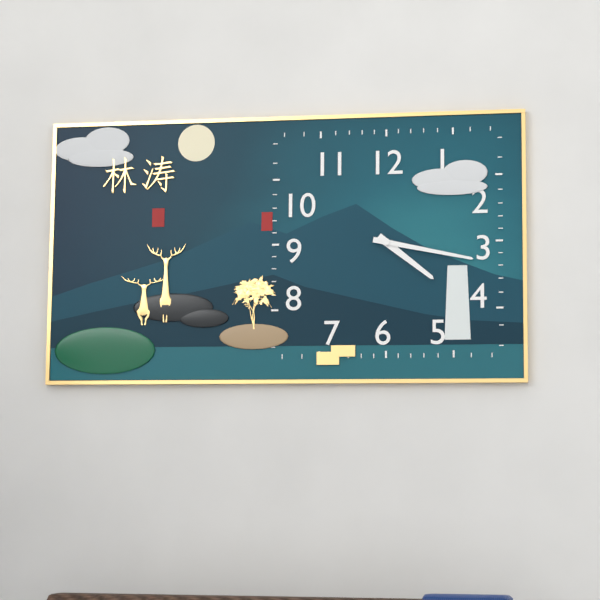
4:17
